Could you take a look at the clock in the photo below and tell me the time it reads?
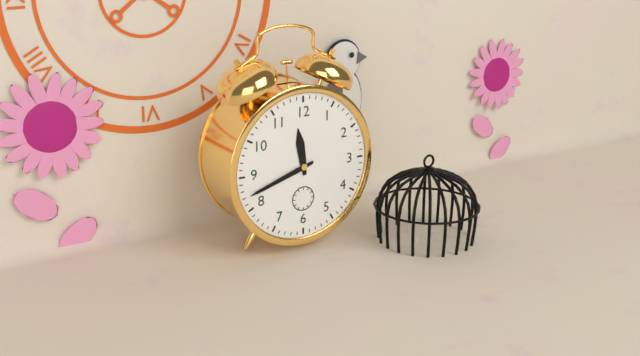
11:42
